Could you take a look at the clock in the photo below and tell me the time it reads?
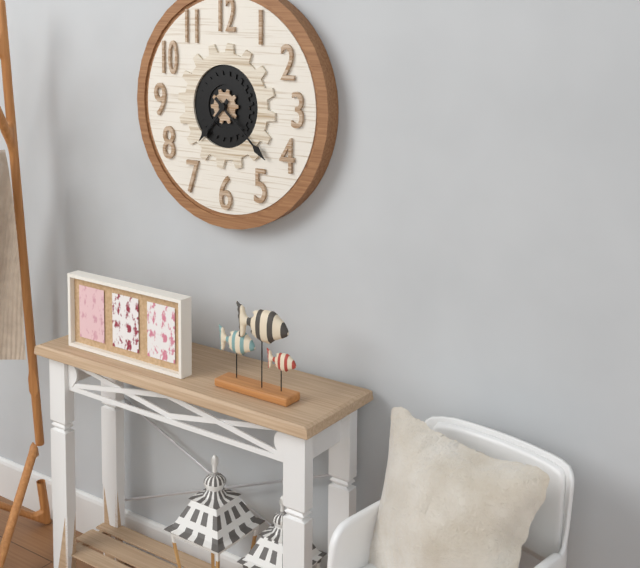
7:22
